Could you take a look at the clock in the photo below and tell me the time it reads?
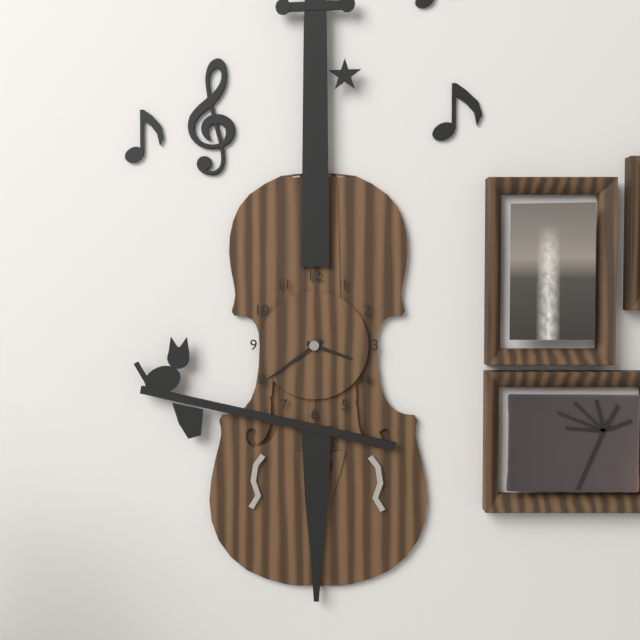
3:39
